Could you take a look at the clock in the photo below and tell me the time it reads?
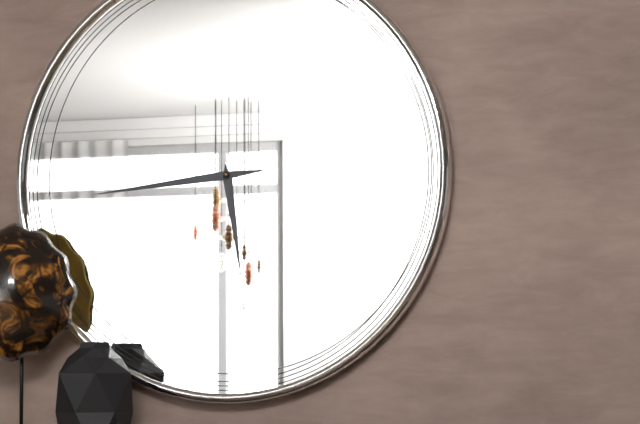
5:44
